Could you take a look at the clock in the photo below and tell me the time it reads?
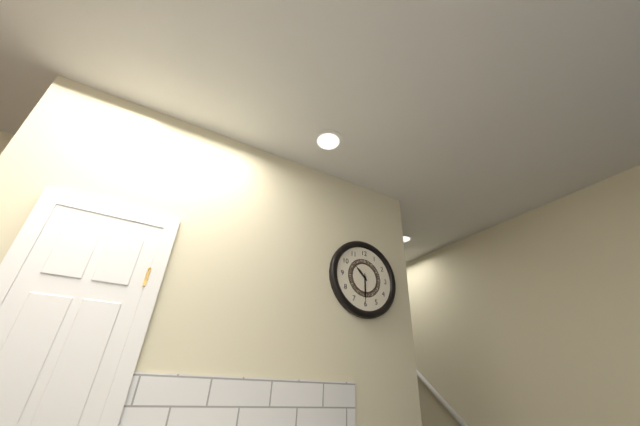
10:30
